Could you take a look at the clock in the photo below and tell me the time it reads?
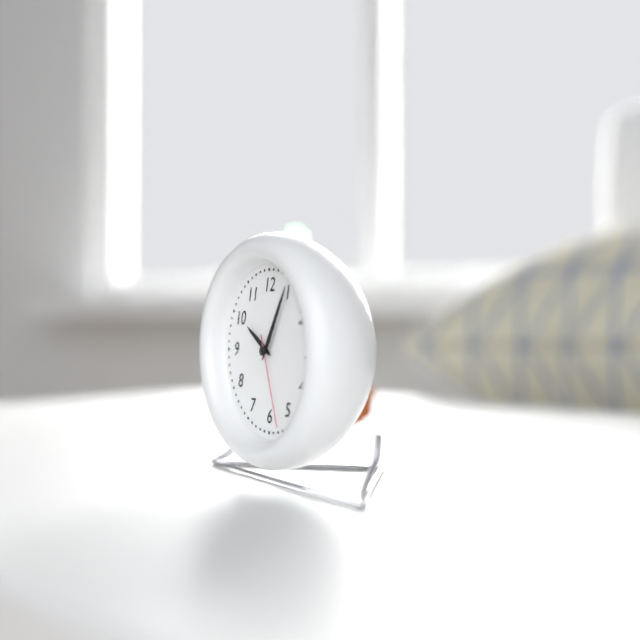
10:05:27
